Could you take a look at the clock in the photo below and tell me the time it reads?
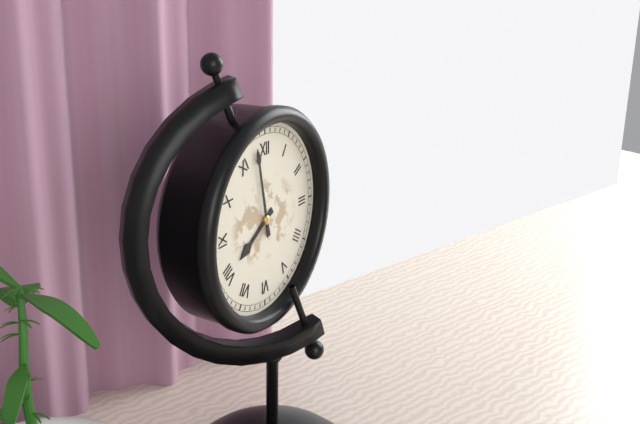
7:58
